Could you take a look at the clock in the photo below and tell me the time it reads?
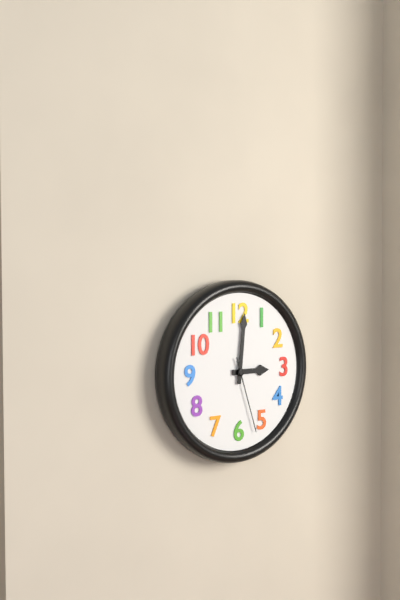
3:01:27
